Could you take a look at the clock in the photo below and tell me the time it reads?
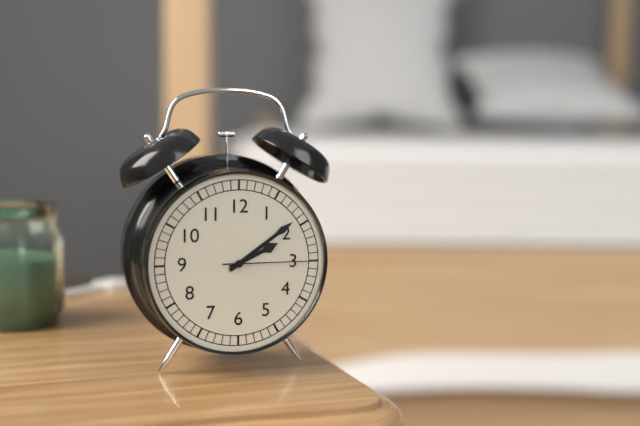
2:09:15
